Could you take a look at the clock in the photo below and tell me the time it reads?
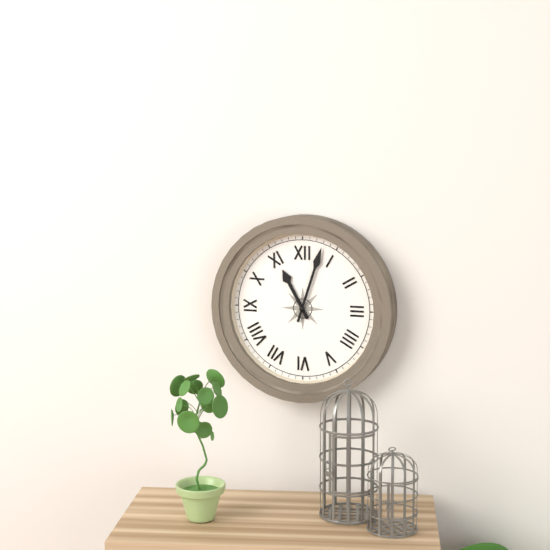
11:03
